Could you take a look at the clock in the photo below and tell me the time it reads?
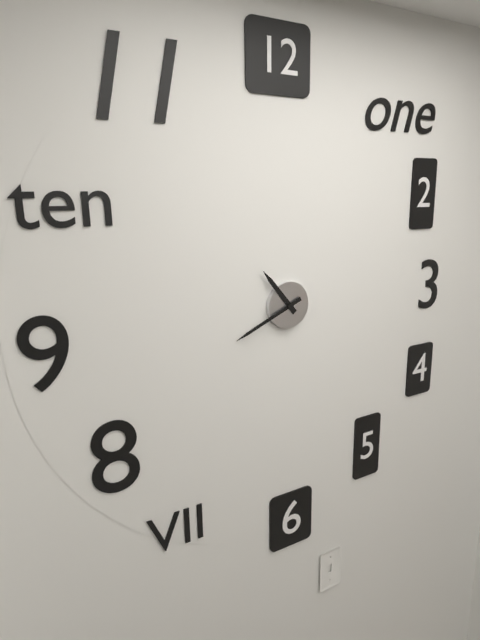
10:41
